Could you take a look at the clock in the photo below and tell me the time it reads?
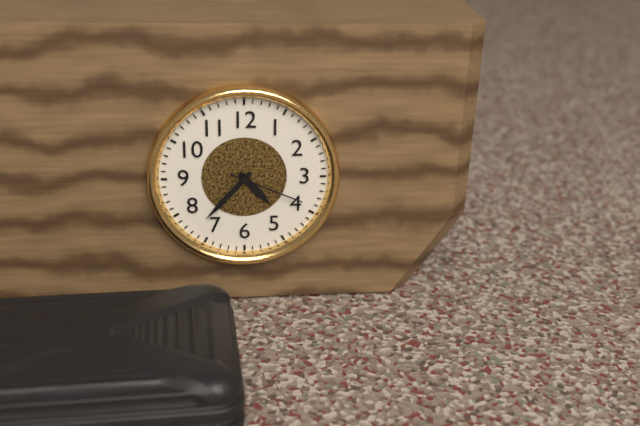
4:37:19
